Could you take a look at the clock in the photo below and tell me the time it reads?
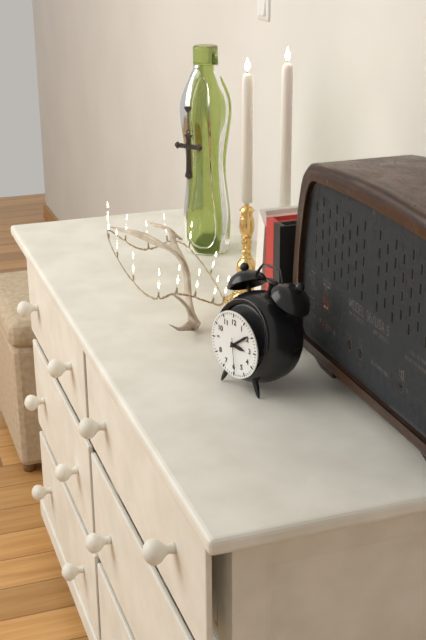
3:09
